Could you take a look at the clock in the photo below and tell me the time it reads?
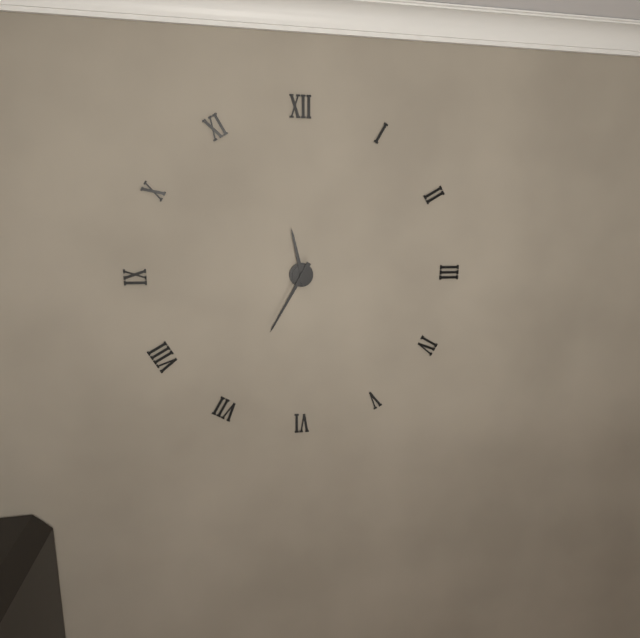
11:35
